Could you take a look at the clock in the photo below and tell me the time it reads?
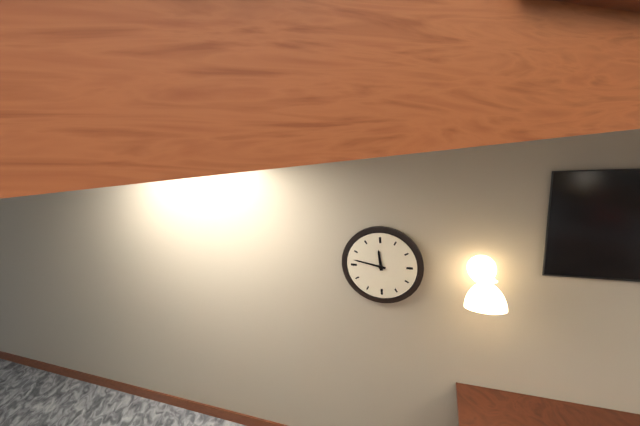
11:47
